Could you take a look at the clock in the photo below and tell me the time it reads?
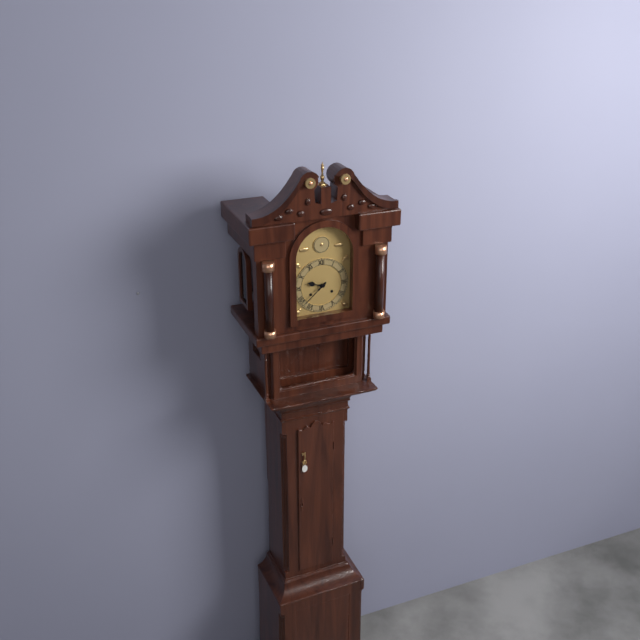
9:38
